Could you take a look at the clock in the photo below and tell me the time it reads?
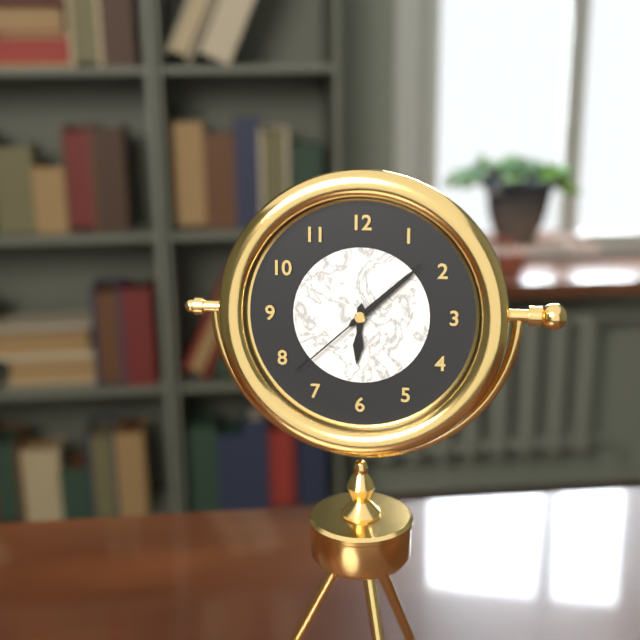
6:08:38
